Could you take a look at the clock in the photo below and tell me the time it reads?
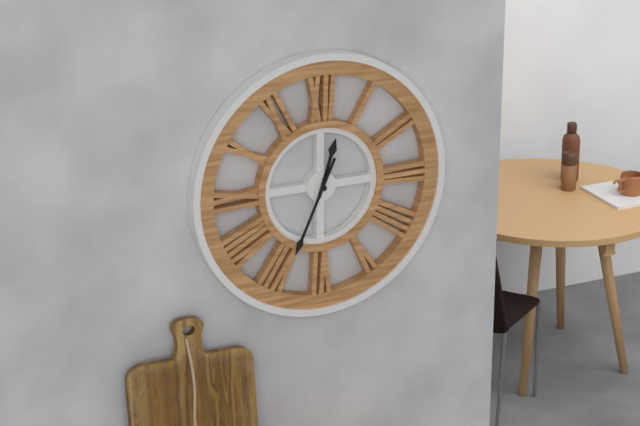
12:34
